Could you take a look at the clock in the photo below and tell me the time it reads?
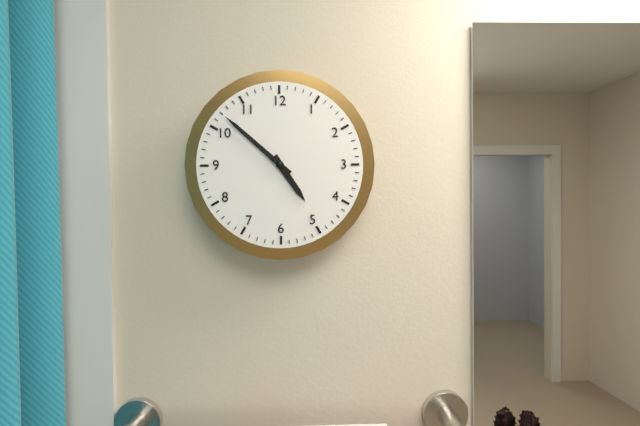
4:52
